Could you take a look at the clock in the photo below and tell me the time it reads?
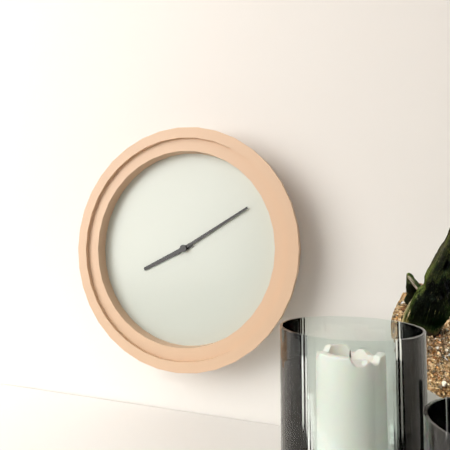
8:10
